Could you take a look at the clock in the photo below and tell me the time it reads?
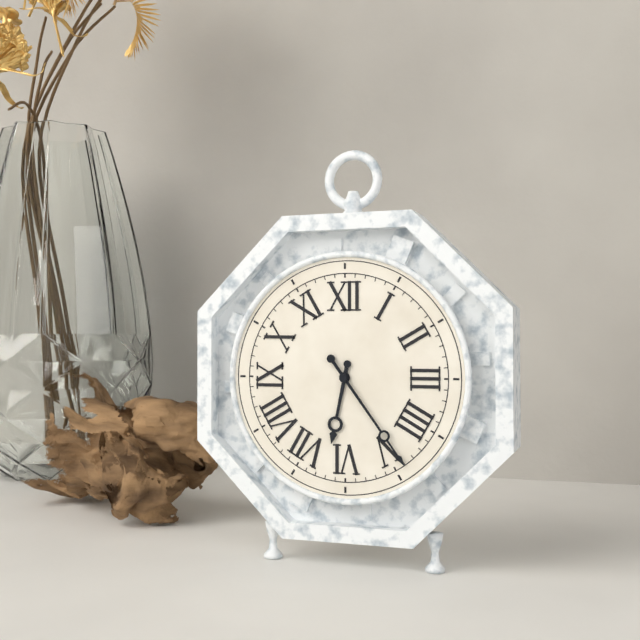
6:24
